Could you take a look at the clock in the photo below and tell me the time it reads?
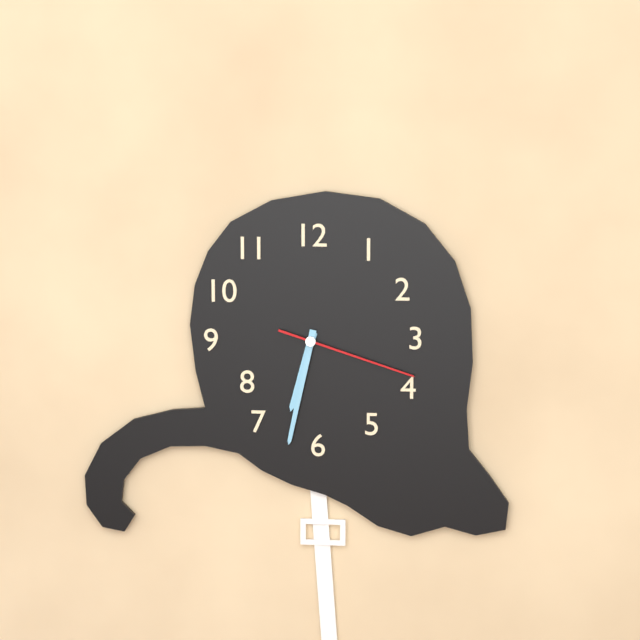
6:32:18
